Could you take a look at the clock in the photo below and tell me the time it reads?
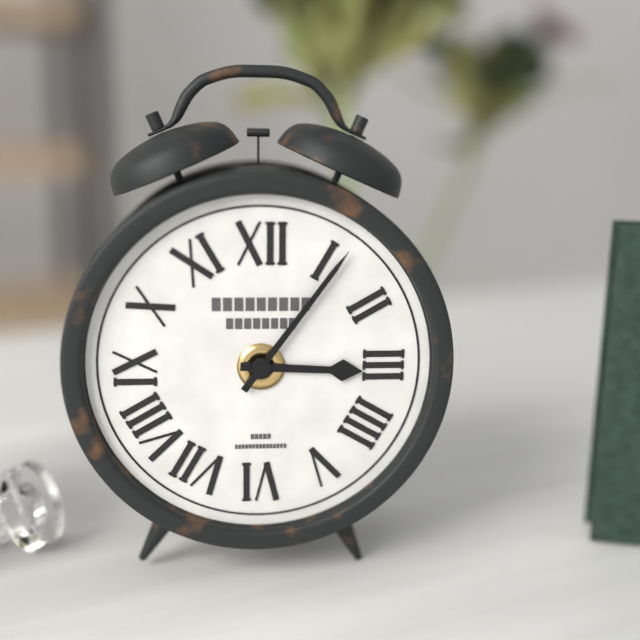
3:06
